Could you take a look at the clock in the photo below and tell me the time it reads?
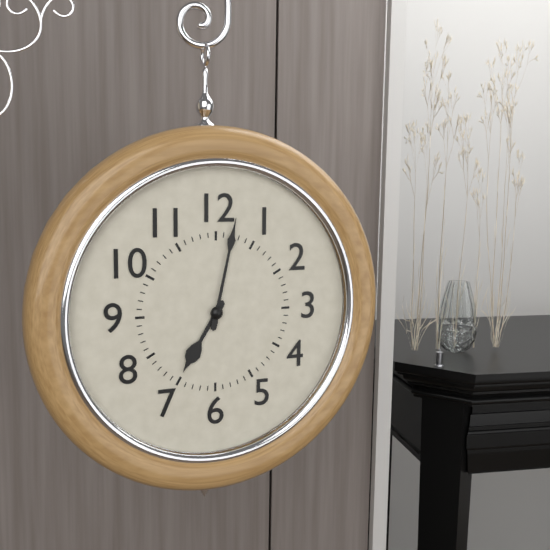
7:02
